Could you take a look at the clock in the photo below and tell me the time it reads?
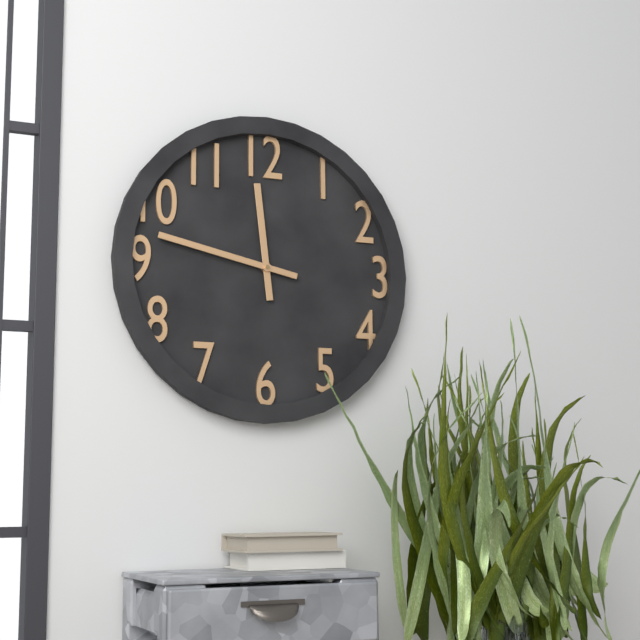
11:47
